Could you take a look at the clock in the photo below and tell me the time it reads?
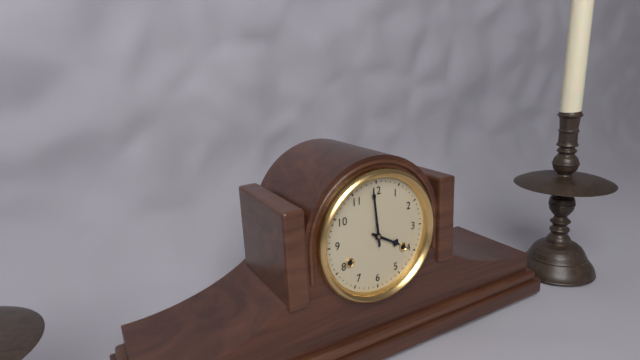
3:59
